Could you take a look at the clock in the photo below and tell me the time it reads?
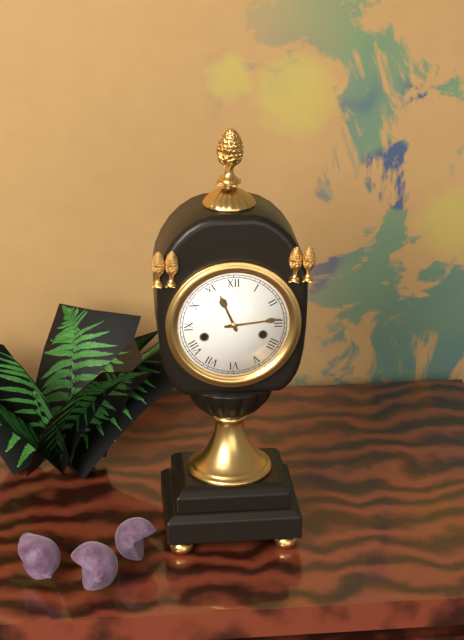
11:14
